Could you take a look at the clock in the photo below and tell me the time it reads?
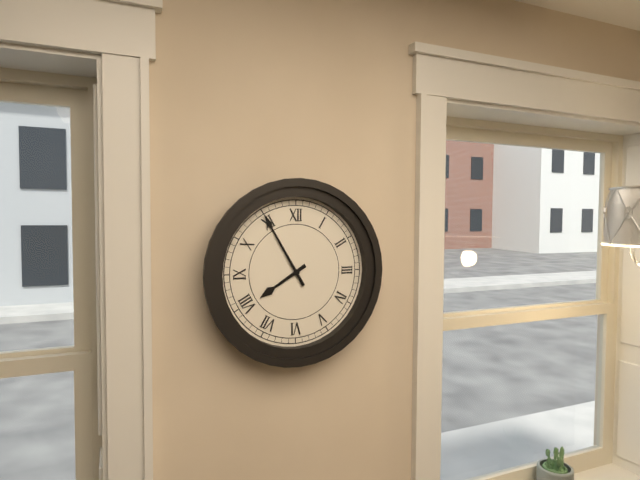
7:55
